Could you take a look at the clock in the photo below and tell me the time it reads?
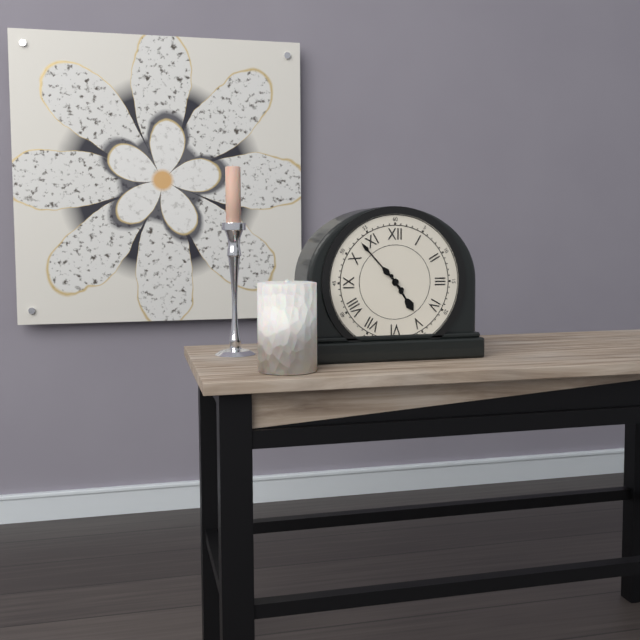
4:53
